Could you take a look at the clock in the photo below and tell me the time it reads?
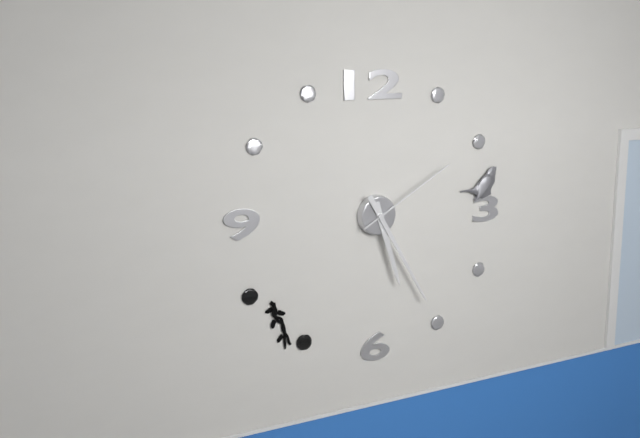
5:25:10
